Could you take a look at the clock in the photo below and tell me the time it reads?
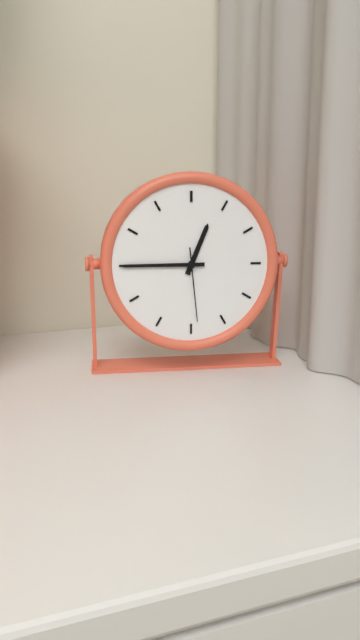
12:45:29
